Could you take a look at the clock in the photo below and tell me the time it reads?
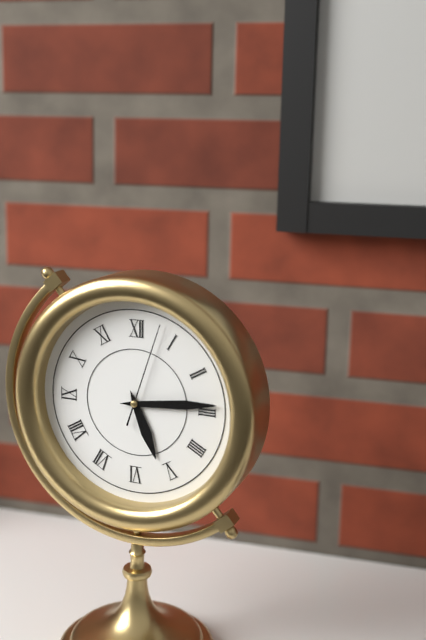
5:14:03
